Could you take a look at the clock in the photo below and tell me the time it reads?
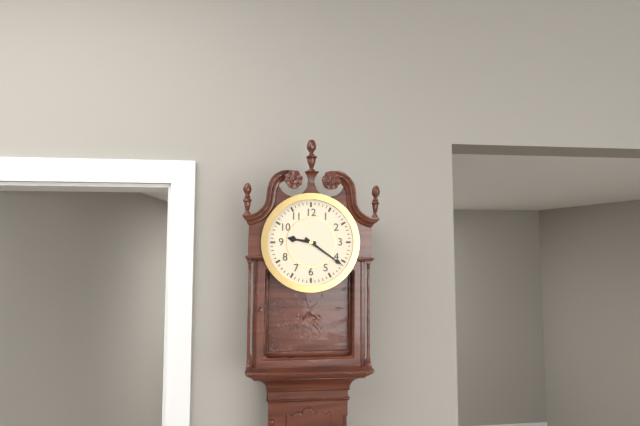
9:21
